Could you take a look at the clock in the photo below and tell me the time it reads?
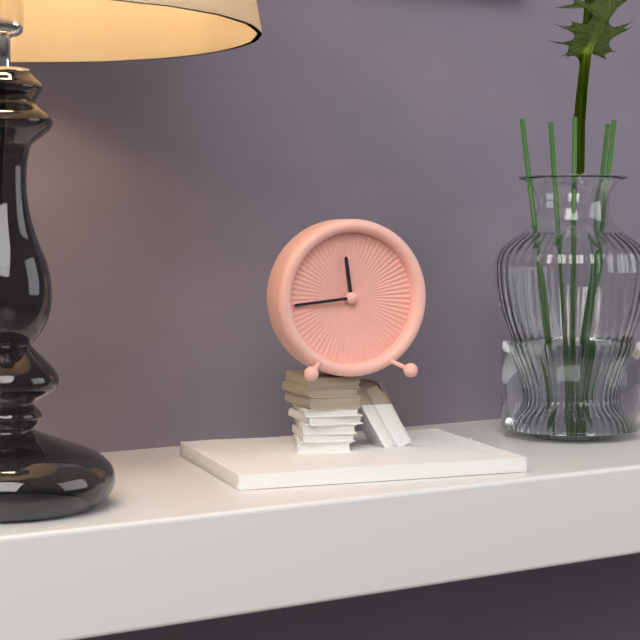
11:44
